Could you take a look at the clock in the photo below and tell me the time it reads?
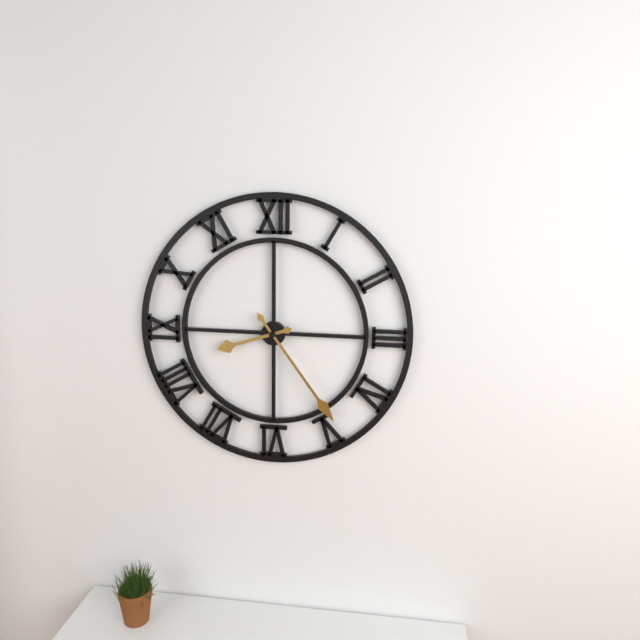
8:24
